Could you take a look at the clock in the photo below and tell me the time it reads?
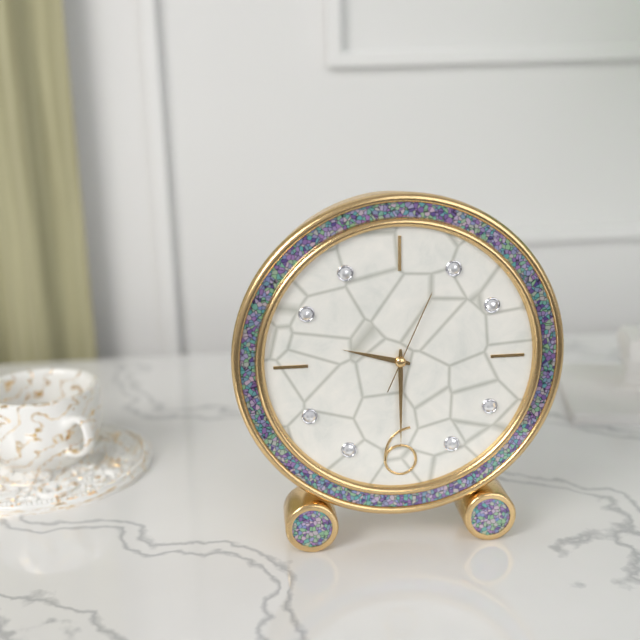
9:30:04
